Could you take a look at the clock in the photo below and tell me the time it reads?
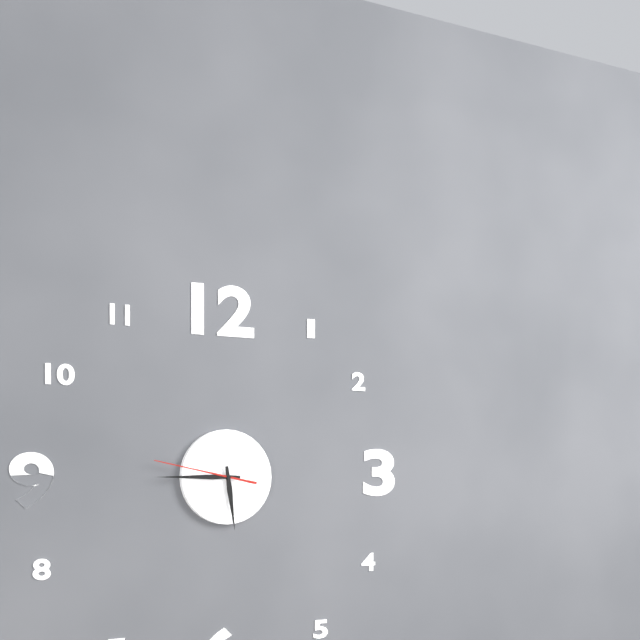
5:45:47
